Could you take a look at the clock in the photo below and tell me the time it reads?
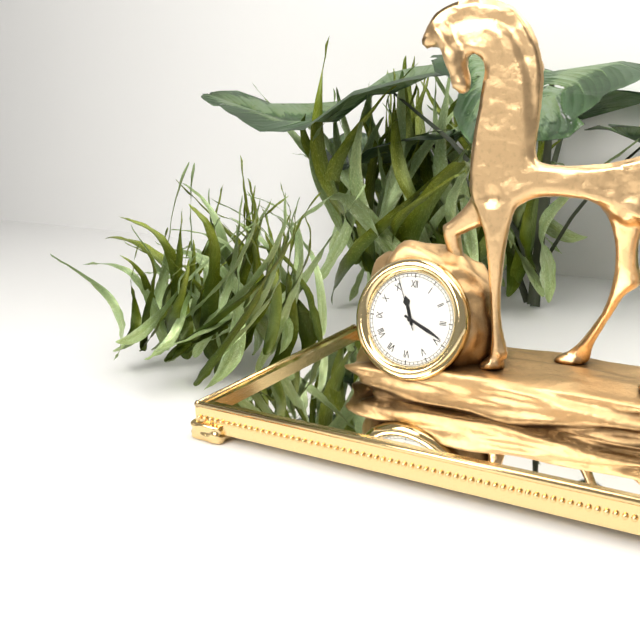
11:19:56
